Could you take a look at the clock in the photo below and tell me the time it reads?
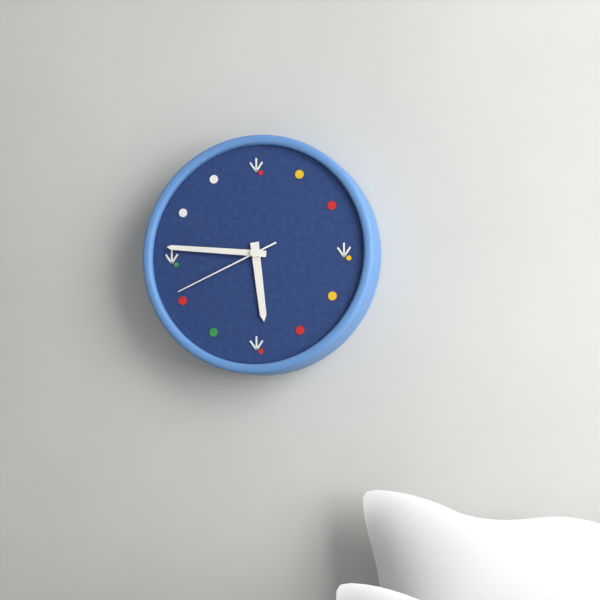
5:46:41
